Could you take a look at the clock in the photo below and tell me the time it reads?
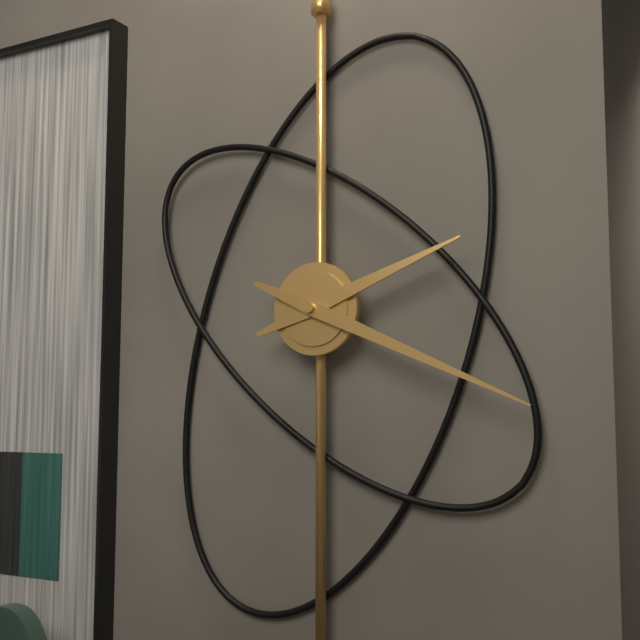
2:19
